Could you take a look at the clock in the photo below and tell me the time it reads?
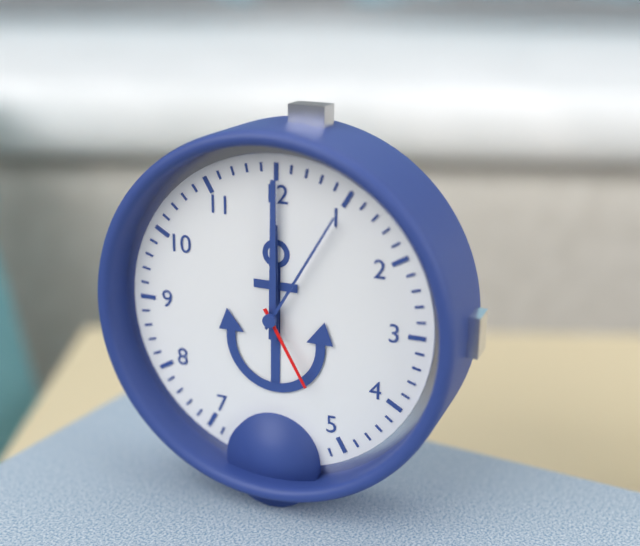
12:00:25
